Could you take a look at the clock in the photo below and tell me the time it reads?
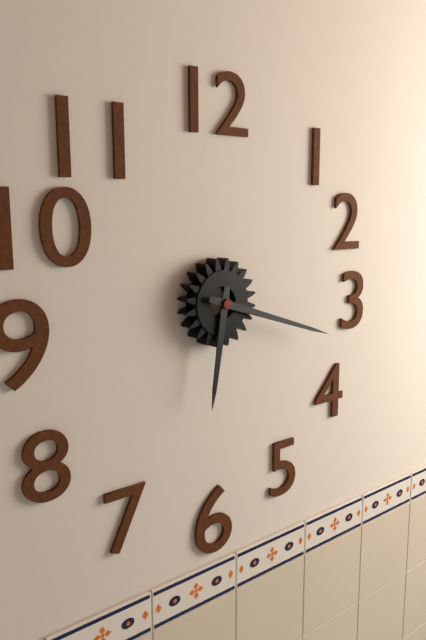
6:18
